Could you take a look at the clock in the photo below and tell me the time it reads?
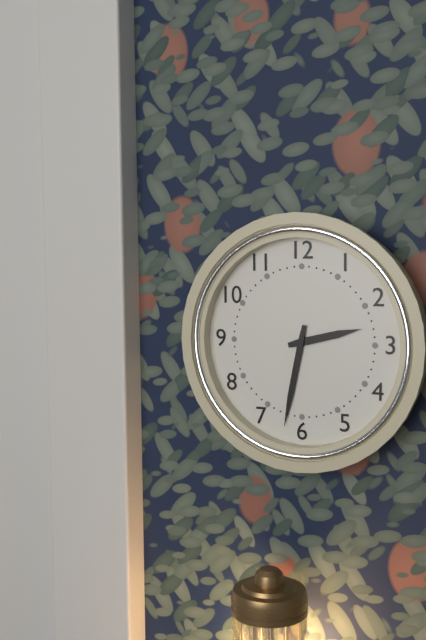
2:32
